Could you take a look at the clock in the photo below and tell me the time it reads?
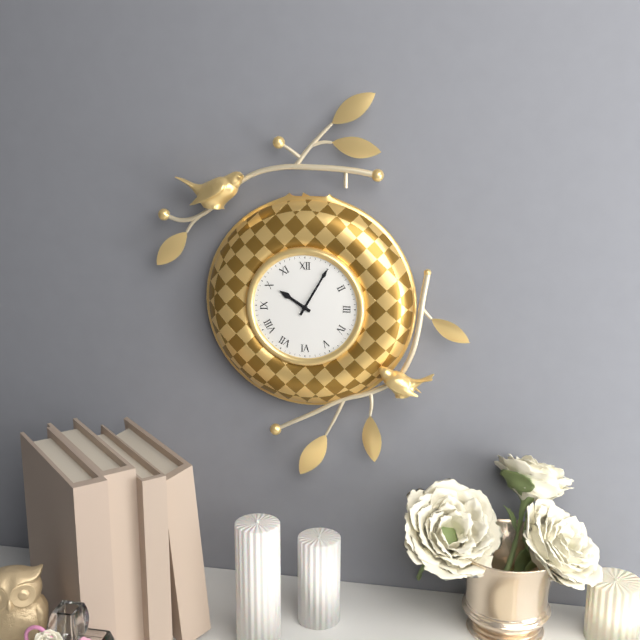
10:05
